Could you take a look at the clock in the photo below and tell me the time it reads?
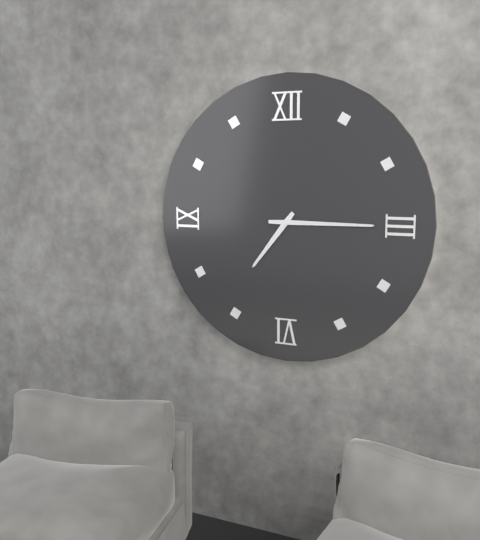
7:15
